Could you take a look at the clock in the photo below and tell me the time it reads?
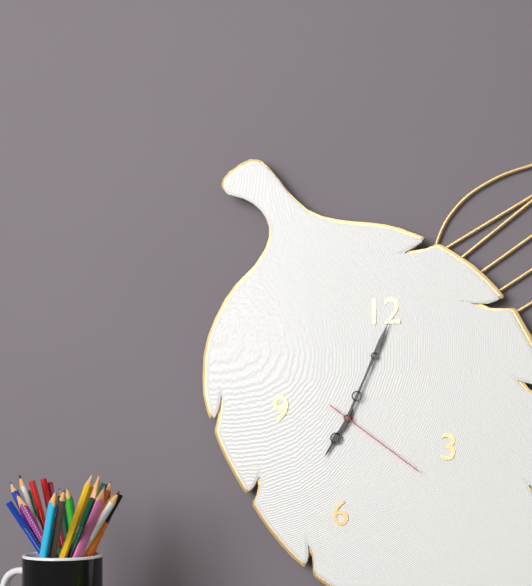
7:04:21
